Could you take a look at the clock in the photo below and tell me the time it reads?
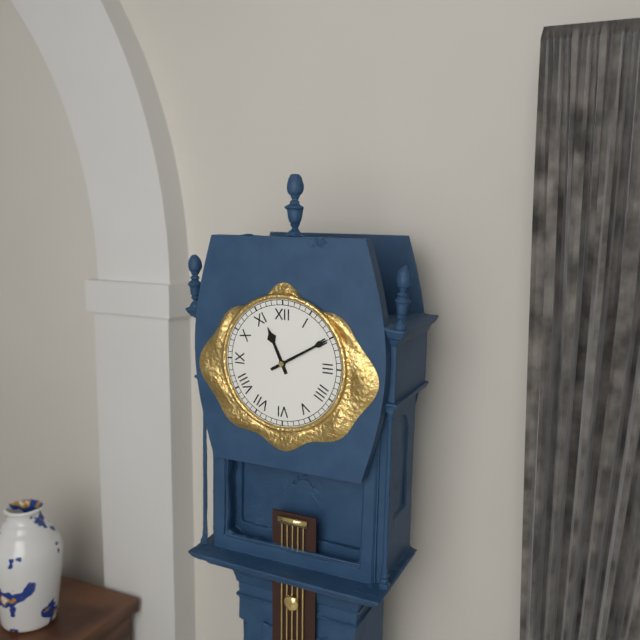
11:10
